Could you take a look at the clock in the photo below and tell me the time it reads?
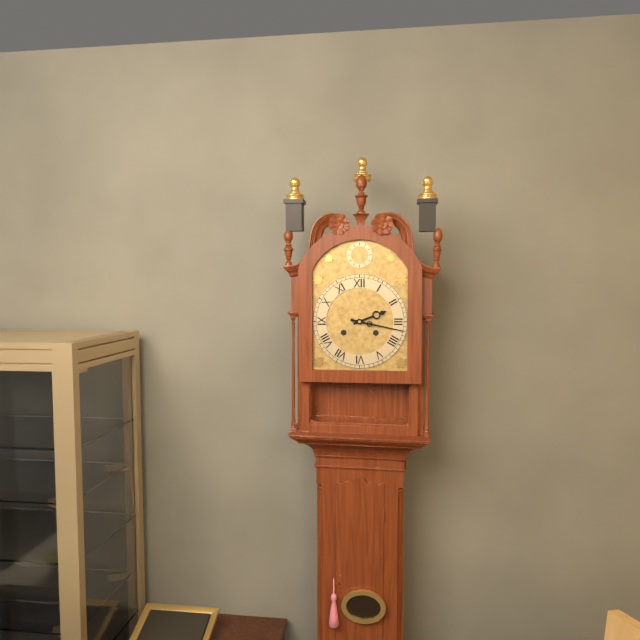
2:17
